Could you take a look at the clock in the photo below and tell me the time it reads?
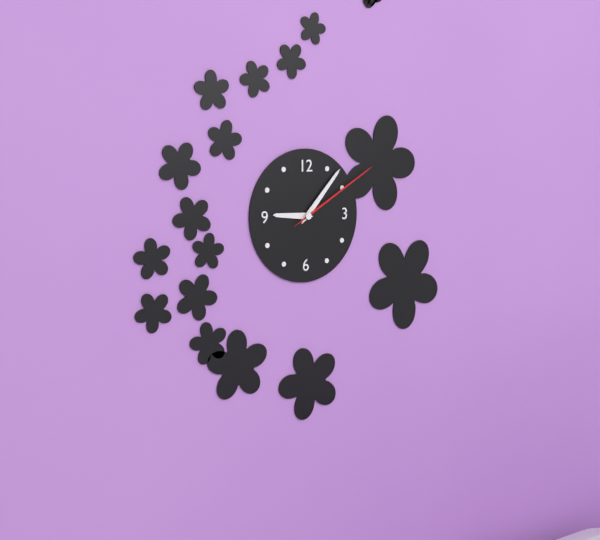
9:07:10
